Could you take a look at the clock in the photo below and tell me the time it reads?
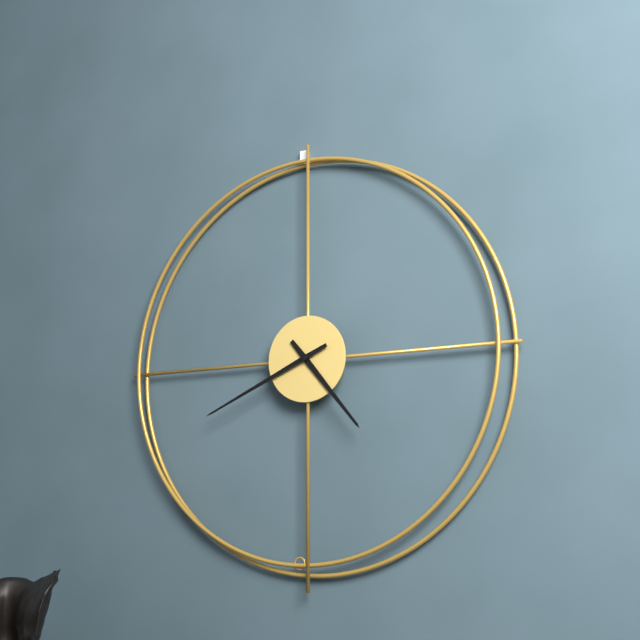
4:41
